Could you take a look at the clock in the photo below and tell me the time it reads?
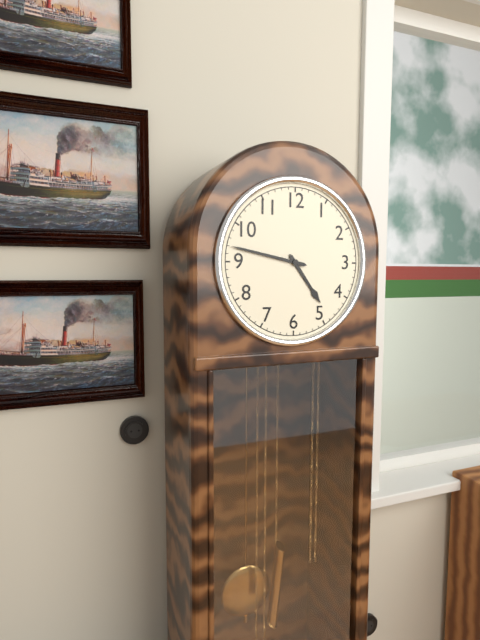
4:47
